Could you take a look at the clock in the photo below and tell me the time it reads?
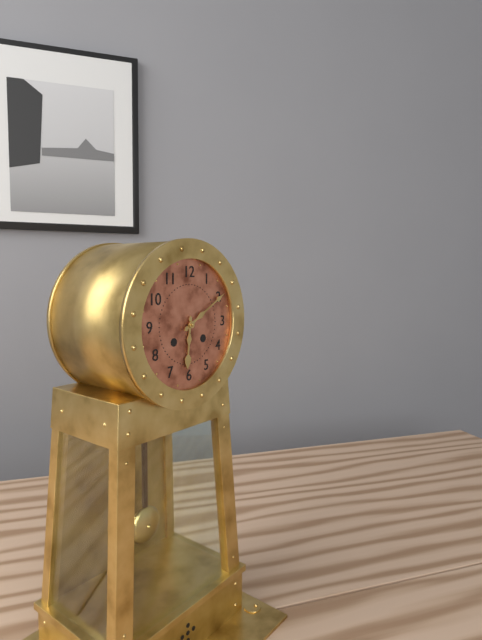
6:10
